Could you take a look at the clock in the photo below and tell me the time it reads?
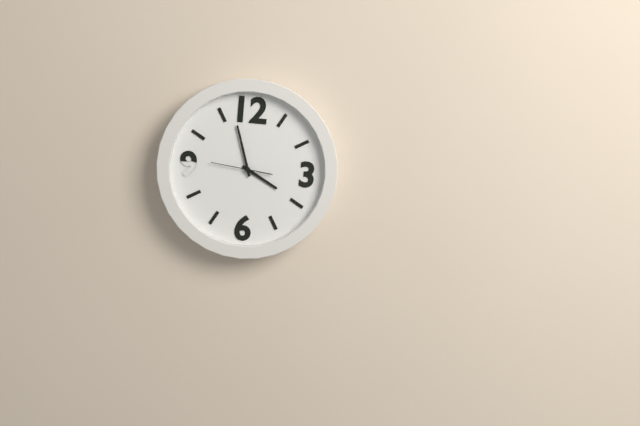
3:57
